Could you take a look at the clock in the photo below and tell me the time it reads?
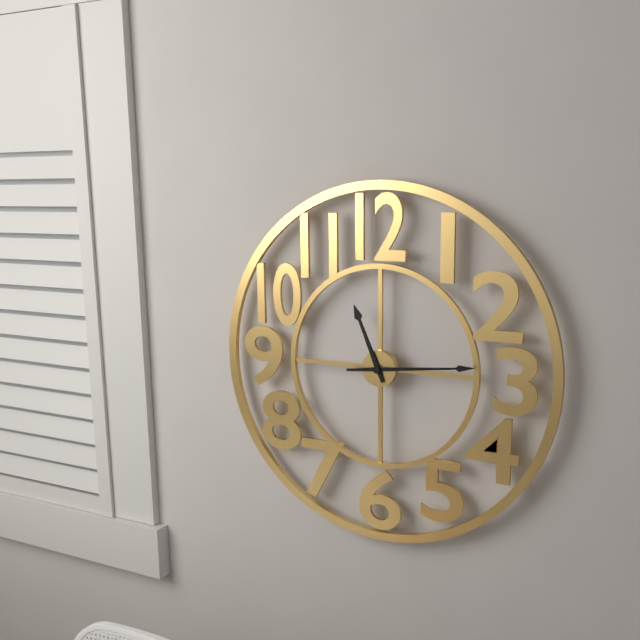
11:14
